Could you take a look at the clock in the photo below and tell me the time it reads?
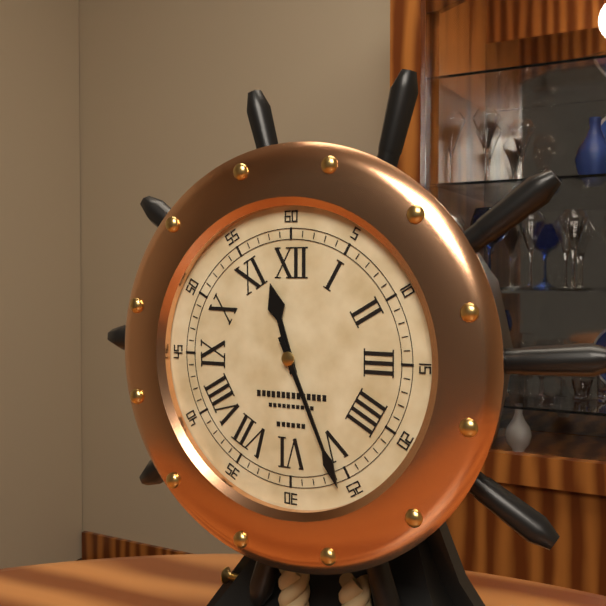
11:26
